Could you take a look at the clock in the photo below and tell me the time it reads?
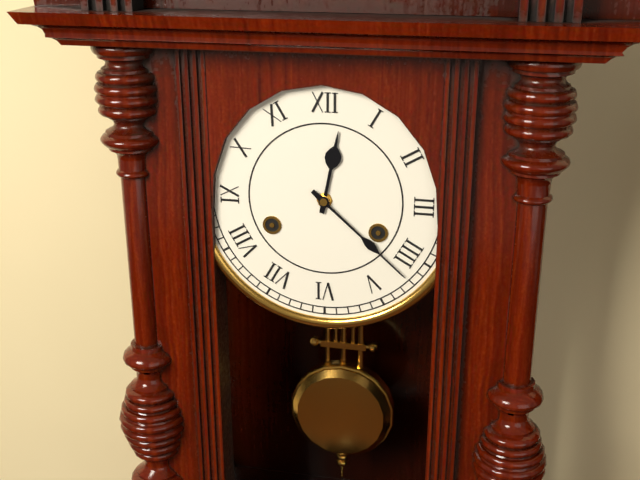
12:22
